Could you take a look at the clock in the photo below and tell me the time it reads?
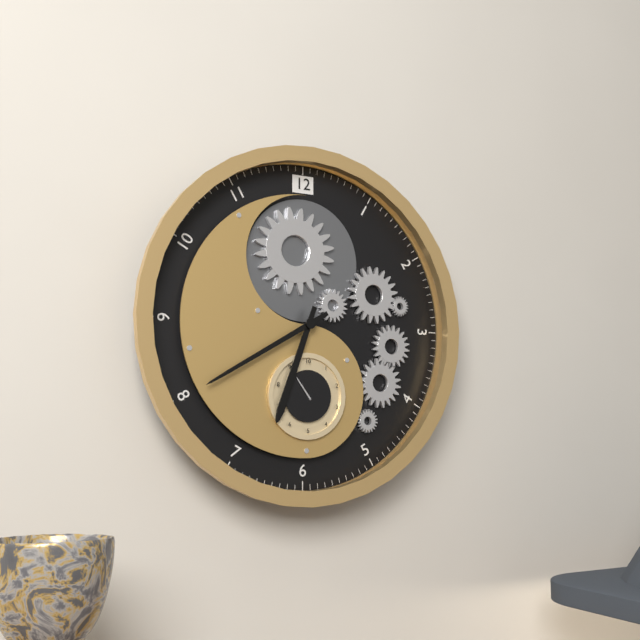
6:40
